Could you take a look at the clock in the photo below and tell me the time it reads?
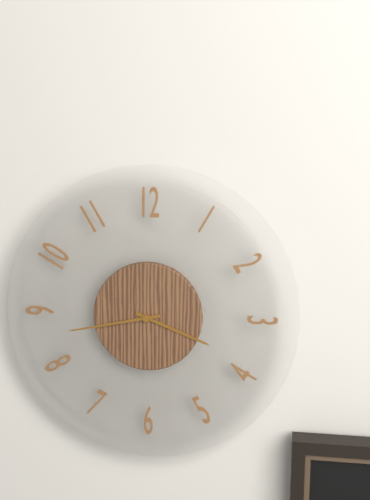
3:43
